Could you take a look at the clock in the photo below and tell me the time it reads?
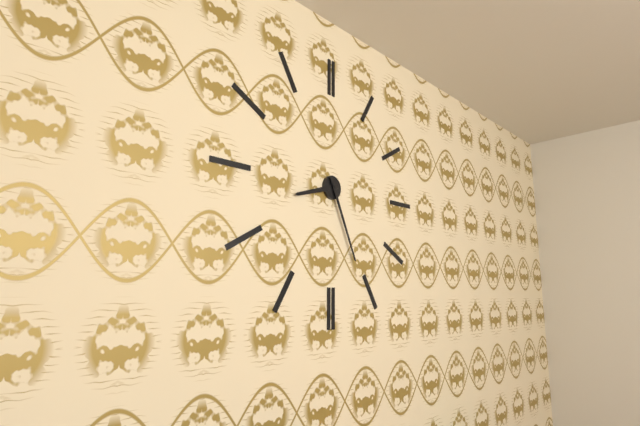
8:26
